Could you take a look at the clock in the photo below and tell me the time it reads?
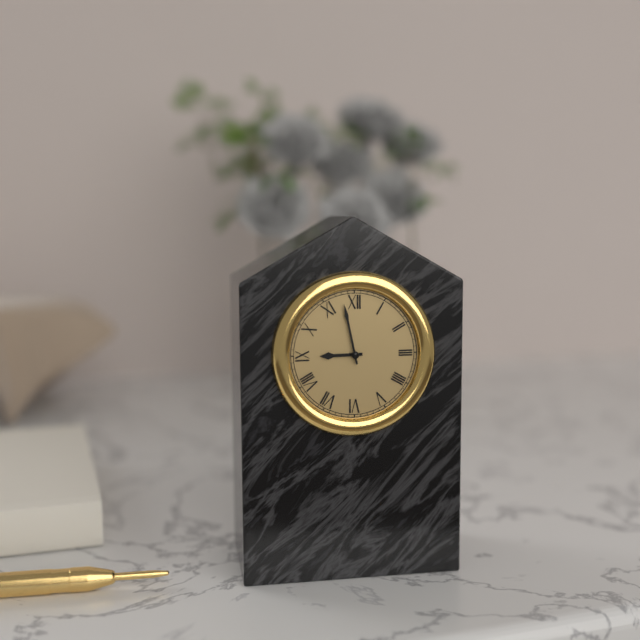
8:58
